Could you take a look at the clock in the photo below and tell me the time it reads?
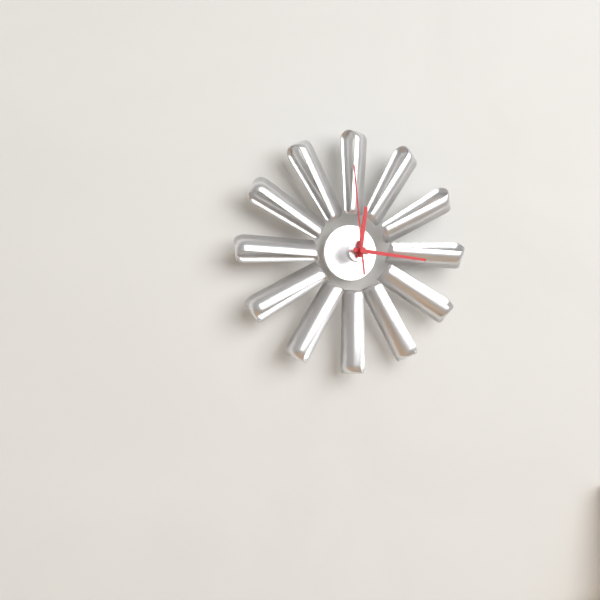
12:16:59
